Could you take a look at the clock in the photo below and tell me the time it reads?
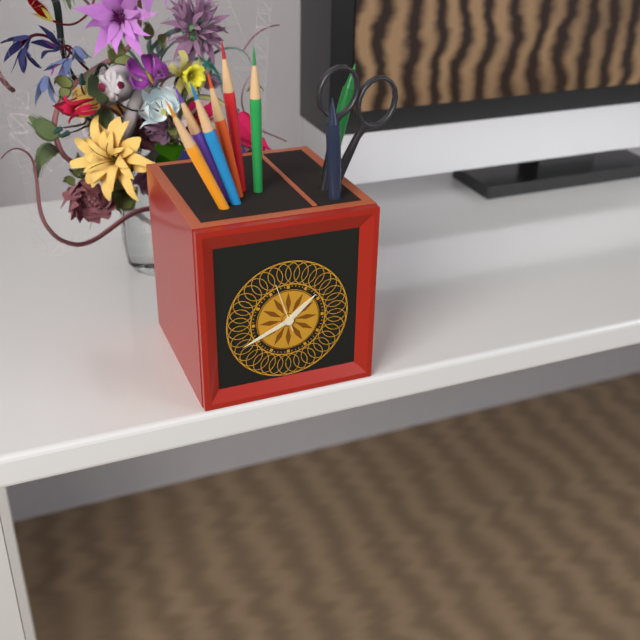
1:41
